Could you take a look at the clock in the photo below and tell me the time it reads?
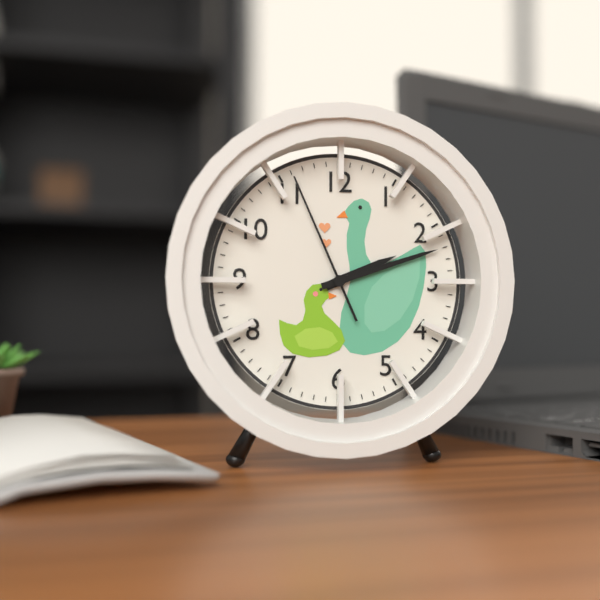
2:12:56
